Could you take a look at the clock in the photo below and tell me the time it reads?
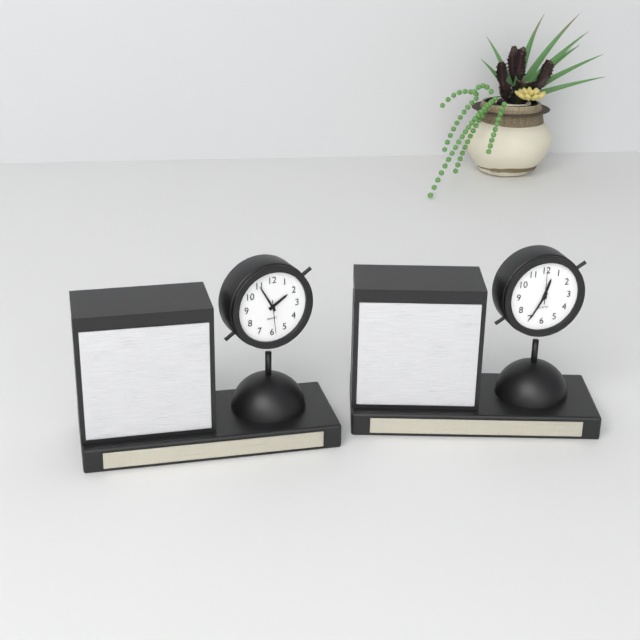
1:55
